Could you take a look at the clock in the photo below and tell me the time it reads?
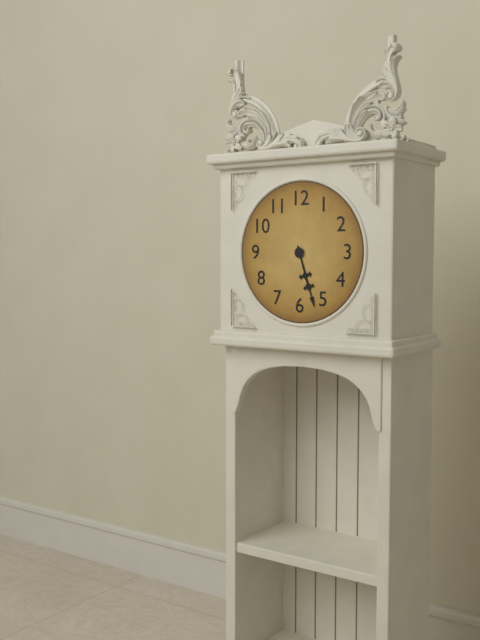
5:27
